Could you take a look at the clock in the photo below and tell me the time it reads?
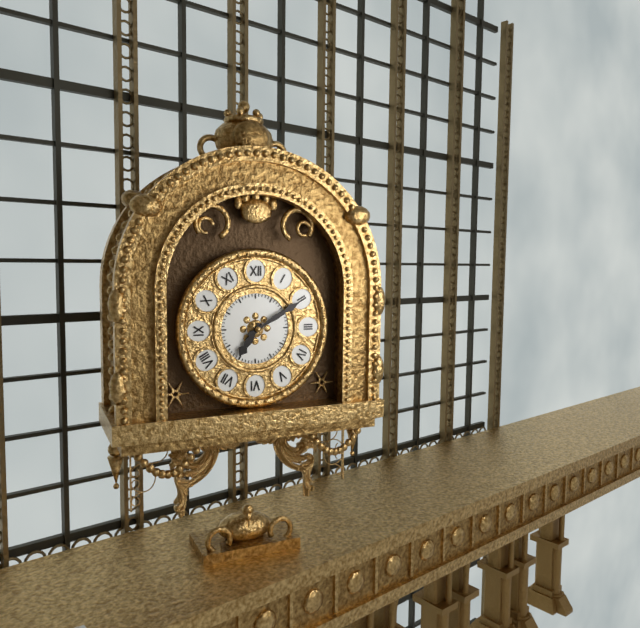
7:10
